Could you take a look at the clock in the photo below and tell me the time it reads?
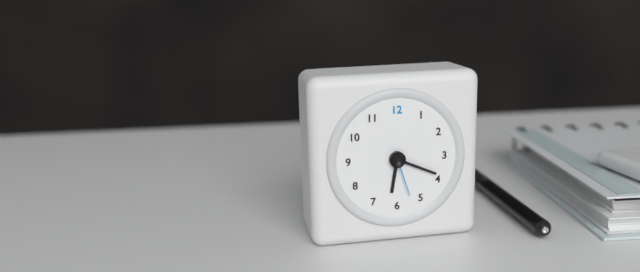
6:19
